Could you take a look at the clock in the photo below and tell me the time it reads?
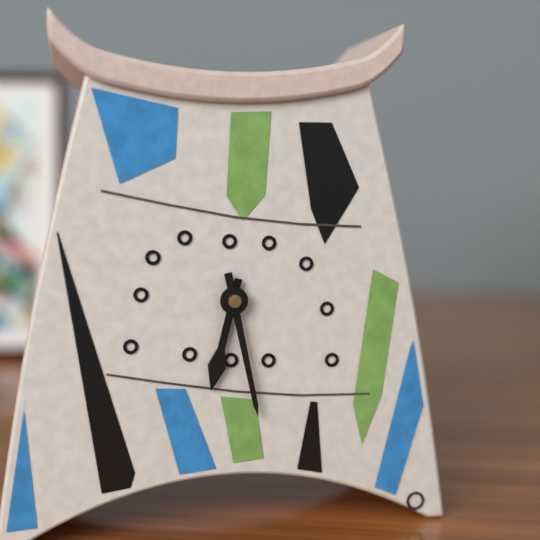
6:28
